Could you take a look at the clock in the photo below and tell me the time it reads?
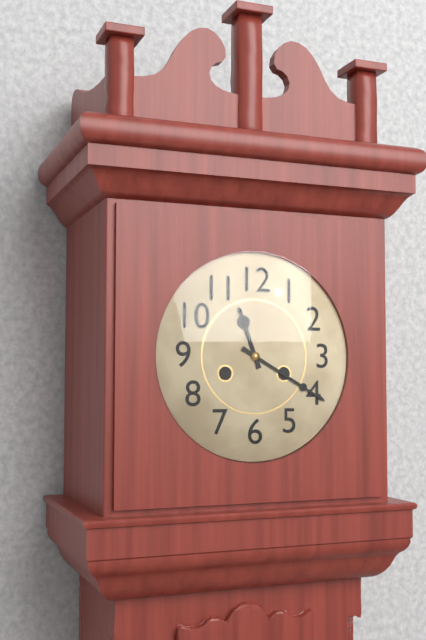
11:20
